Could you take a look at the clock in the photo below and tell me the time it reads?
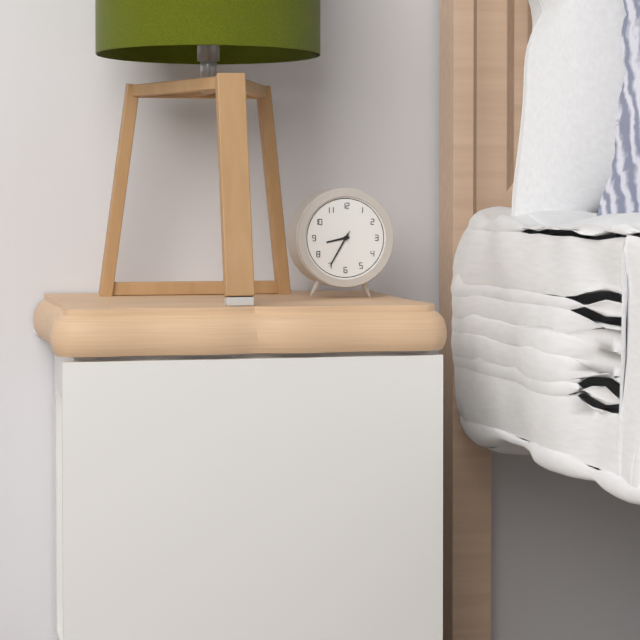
8:35
